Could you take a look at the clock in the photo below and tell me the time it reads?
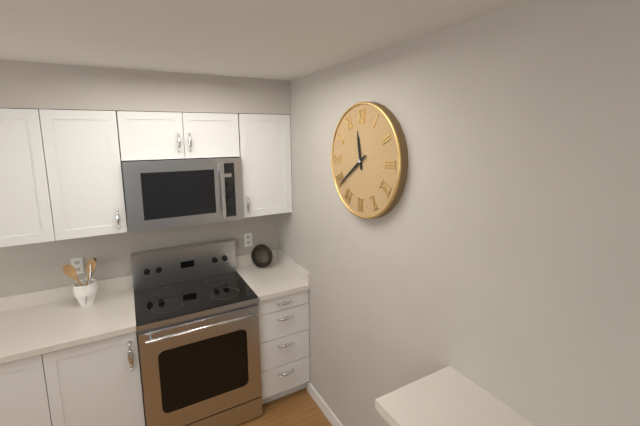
11:39
